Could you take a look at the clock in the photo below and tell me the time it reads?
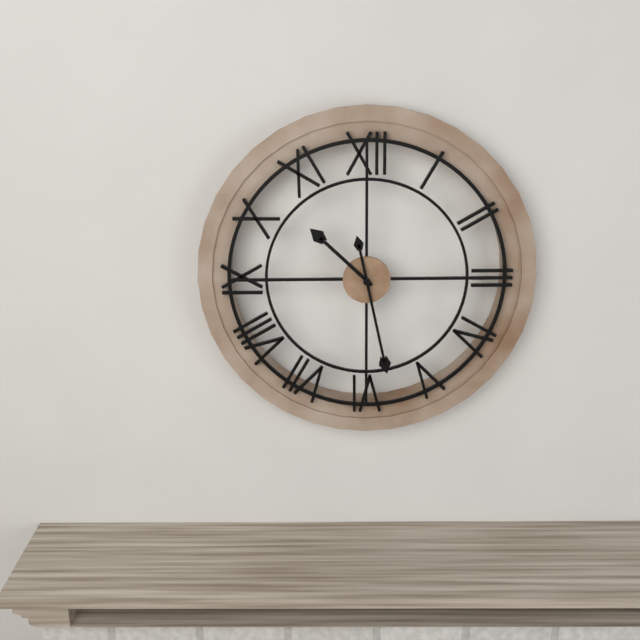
10:28
